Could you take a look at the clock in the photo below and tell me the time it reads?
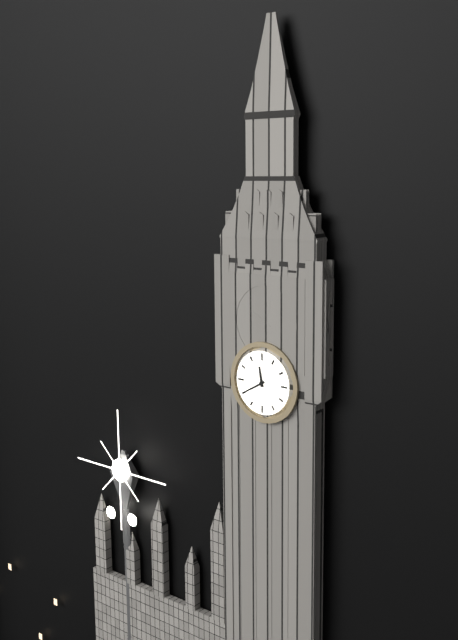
11:40
